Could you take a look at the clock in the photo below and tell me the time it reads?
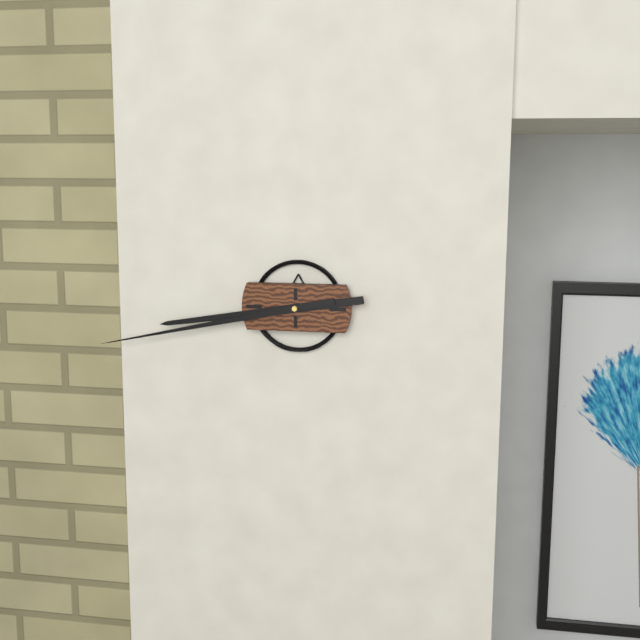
8:43
